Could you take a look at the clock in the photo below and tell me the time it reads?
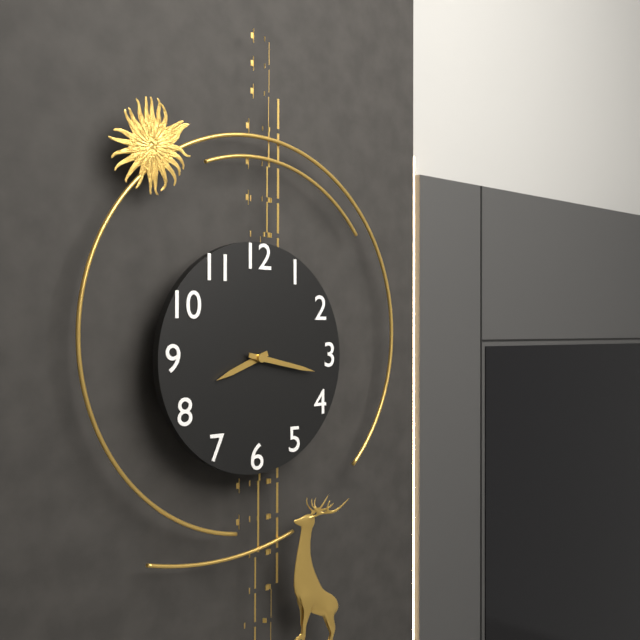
8:17
